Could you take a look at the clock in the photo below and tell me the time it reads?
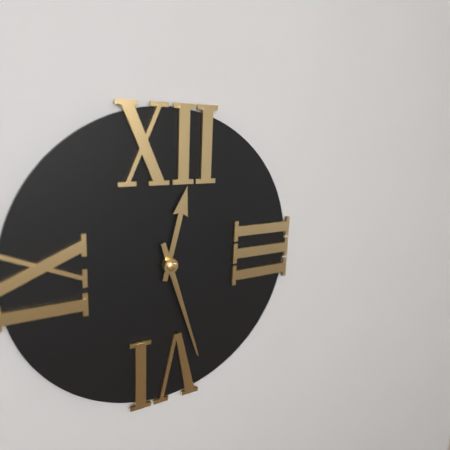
12:27
